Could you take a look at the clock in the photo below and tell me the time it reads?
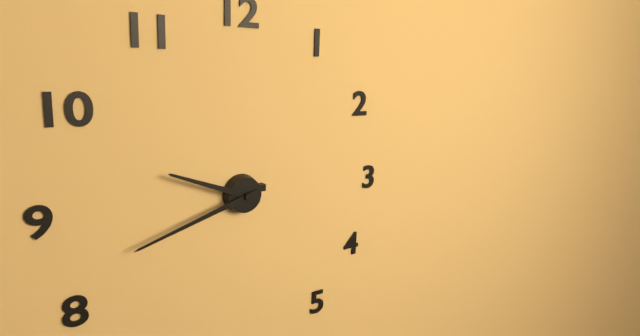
9:42
